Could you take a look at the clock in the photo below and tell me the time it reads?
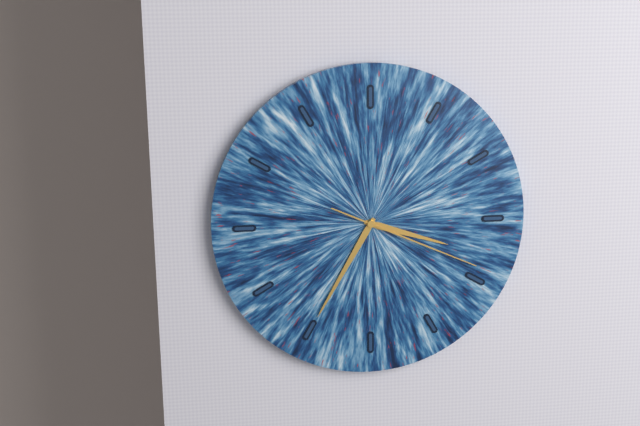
3:35:19
